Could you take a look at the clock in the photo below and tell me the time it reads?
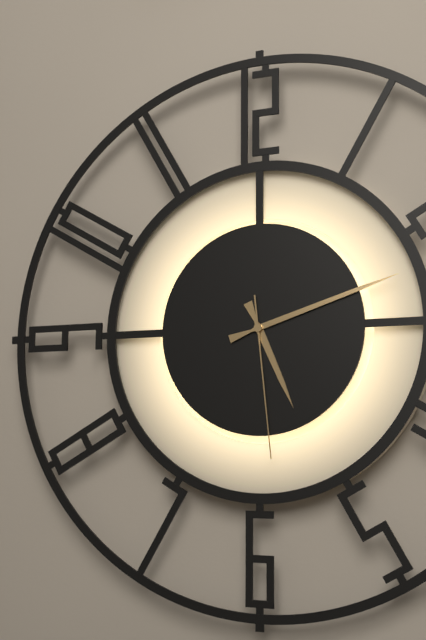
5:12:29
